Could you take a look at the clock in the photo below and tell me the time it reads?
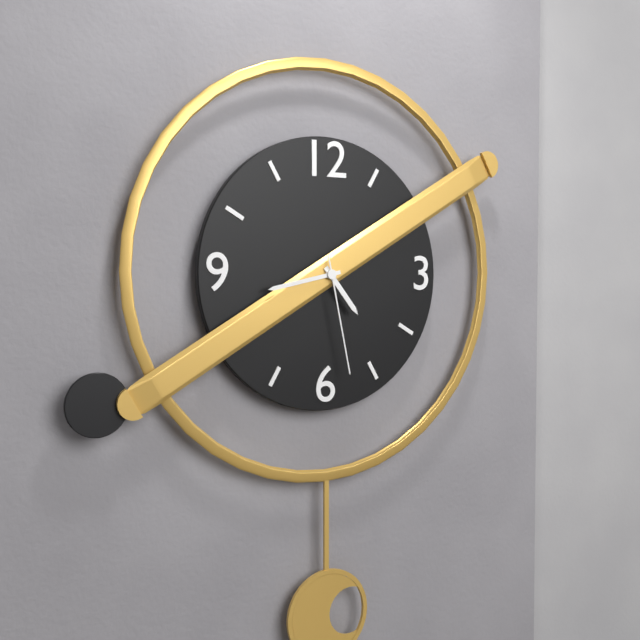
4:43:28
